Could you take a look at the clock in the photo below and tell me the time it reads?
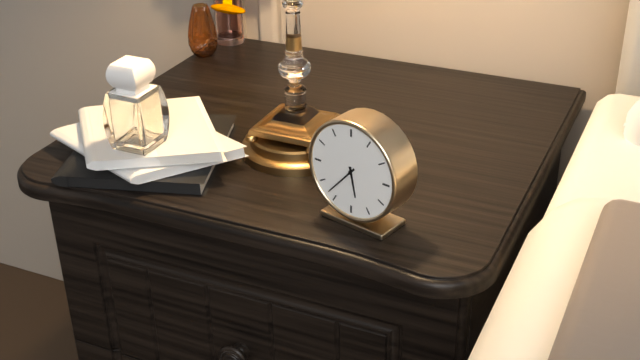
5:37
